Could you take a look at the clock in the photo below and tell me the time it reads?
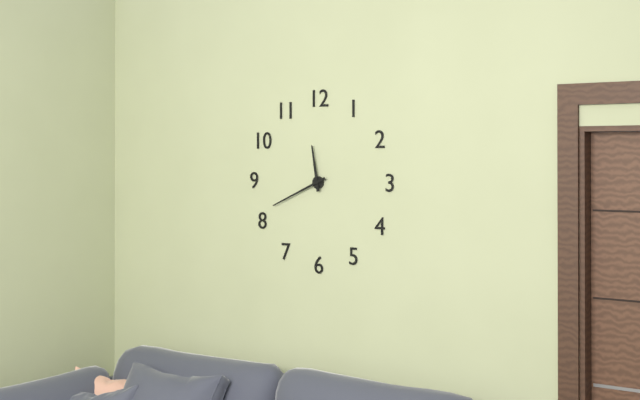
11:41
